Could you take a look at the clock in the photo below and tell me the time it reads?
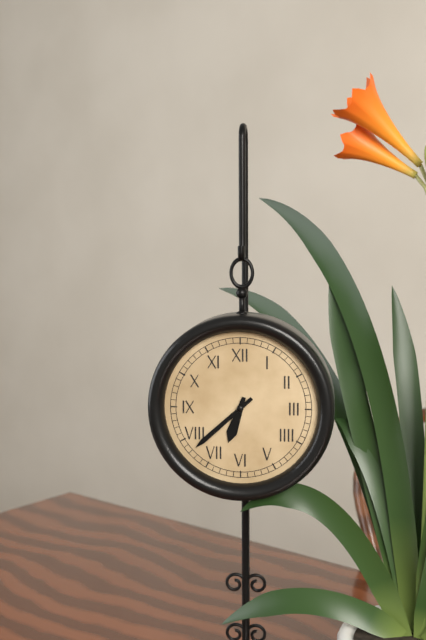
6:38
